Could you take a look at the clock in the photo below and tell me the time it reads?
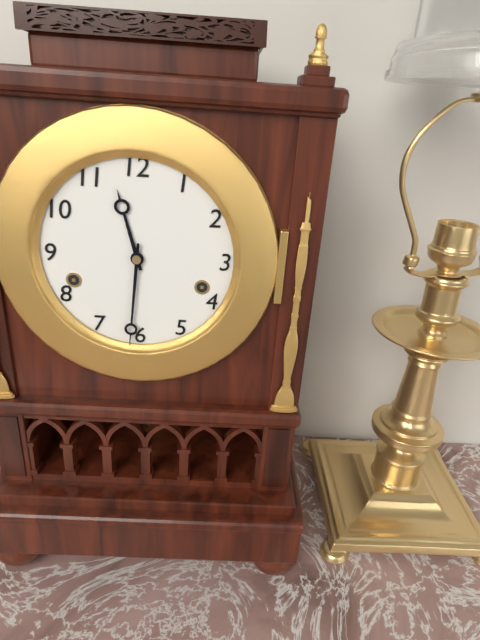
11:31
